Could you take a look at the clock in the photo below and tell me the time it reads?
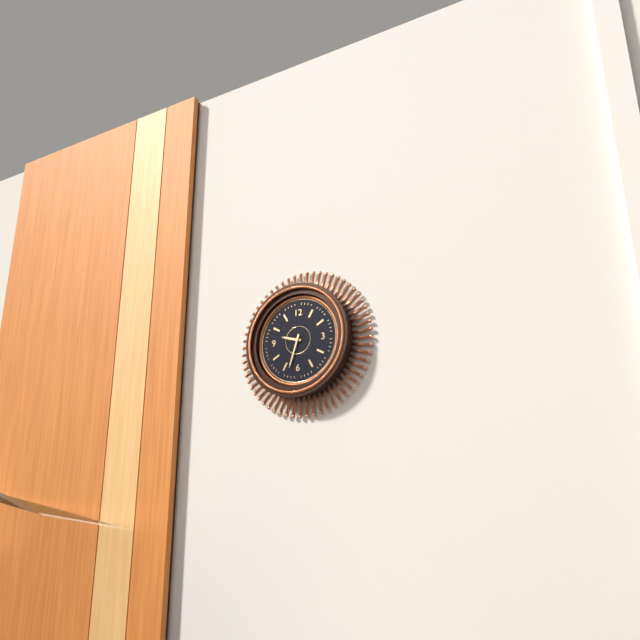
9:33
